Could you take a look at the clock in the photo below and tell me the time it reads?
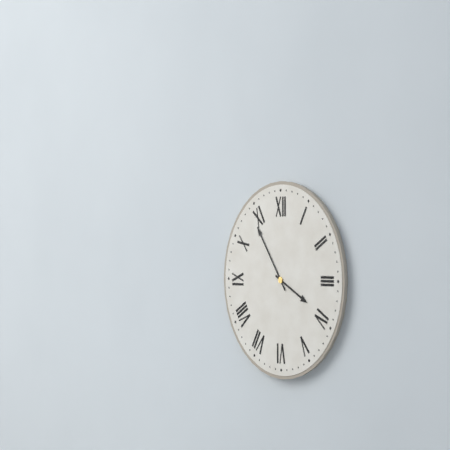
3:54
